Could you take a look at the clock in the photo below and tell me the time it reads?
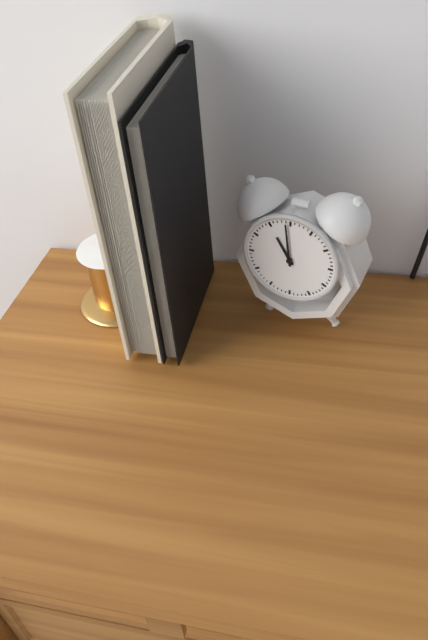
10:59
